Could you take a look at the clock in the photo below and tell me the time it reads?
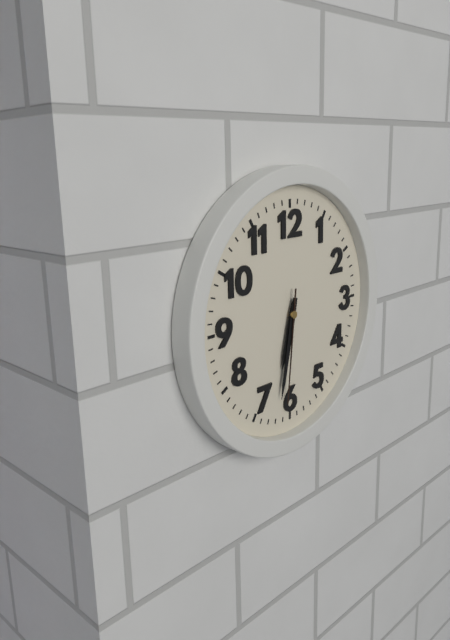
6:32:31
